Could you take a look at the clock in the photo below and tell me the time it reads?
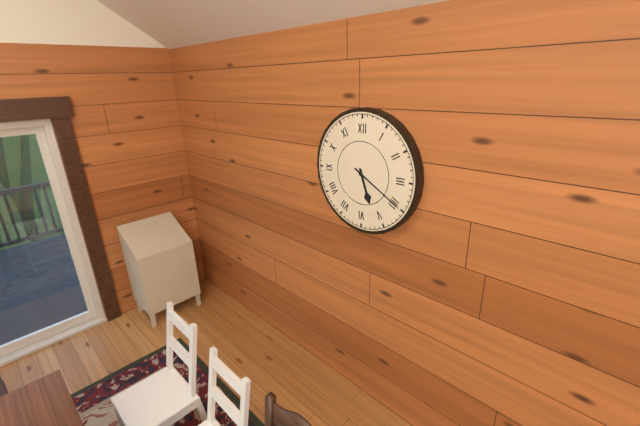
5:20
